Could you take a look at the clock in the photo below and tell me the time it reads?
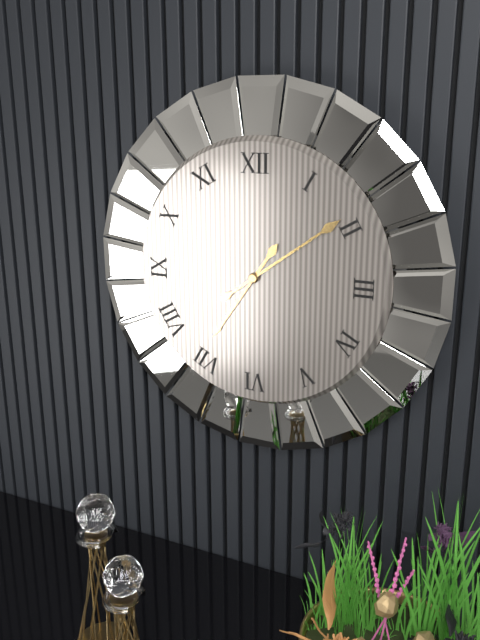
7:09
